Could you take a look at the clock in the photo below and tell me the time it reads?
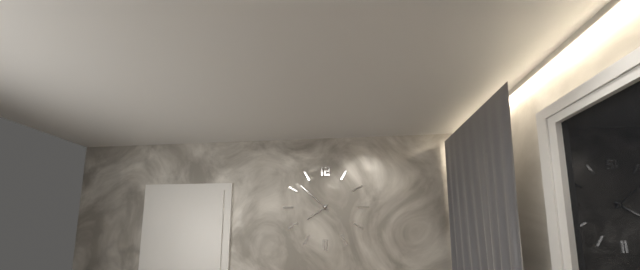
7:52
